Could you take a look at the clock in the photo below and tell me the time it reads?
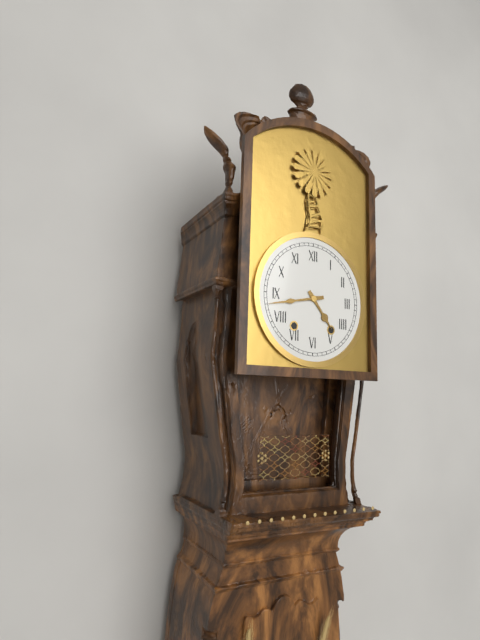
4:43
